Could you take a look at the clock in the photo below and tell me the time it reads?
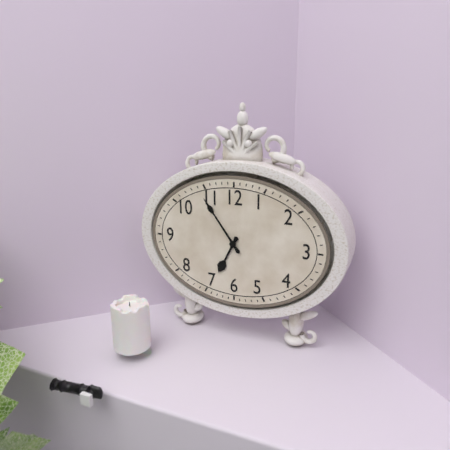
6:54
